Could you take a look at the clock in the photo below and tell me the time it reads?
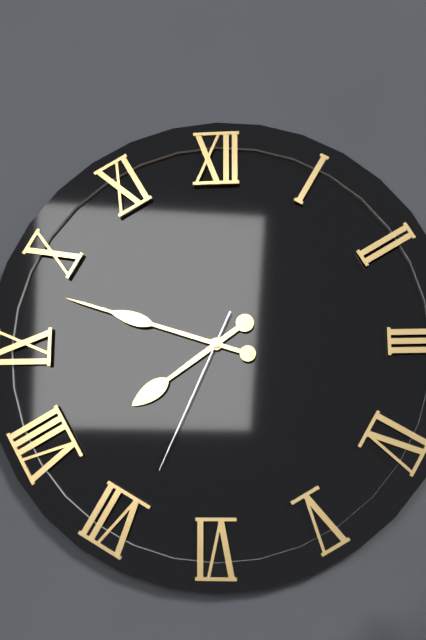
7:48:34
